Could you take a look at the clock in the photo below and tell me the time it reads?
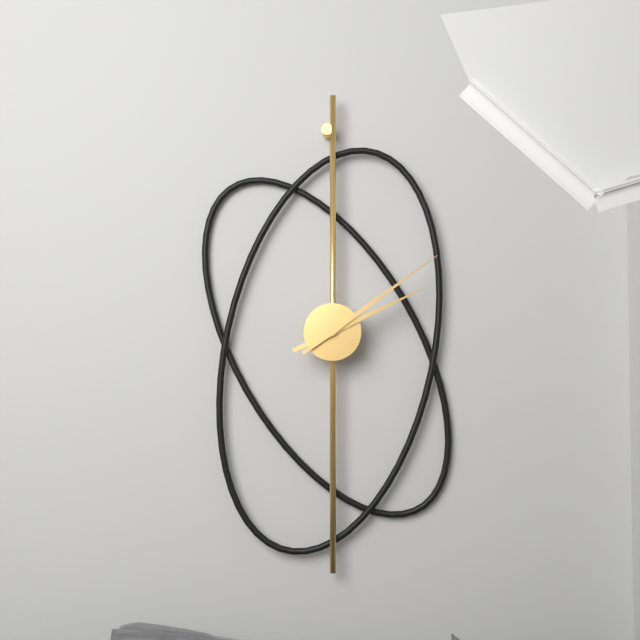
2:09
